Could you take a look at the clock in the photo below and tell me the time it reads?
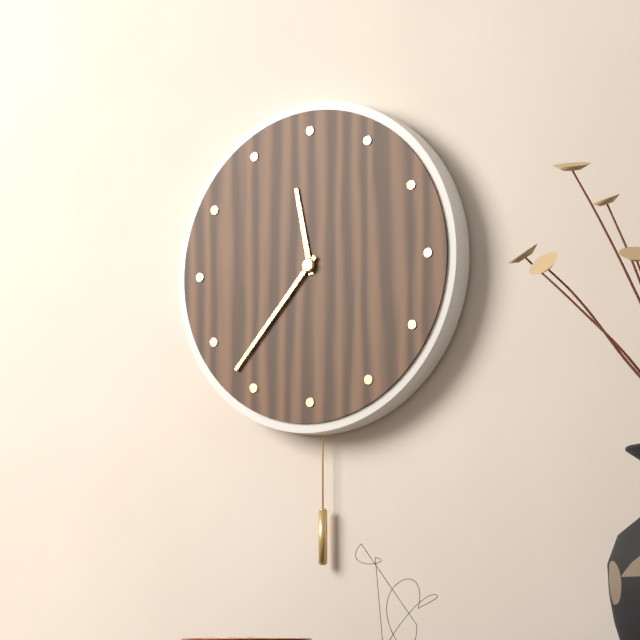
11:37
